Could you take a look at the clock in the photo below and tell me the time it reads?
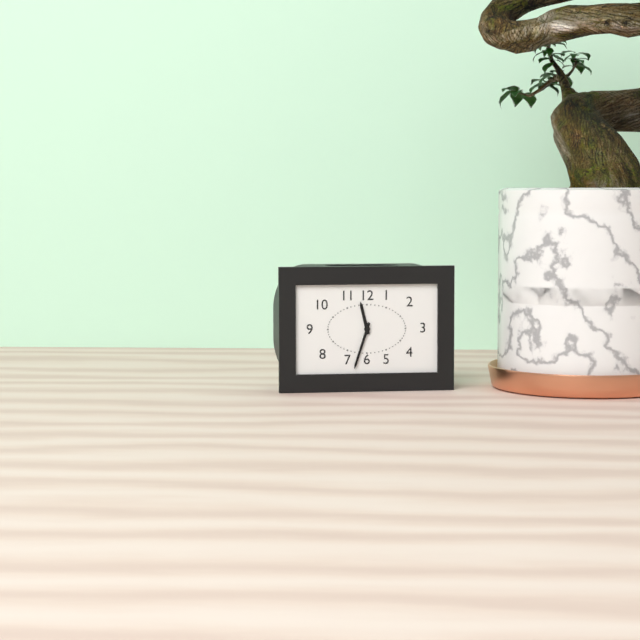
11:33
